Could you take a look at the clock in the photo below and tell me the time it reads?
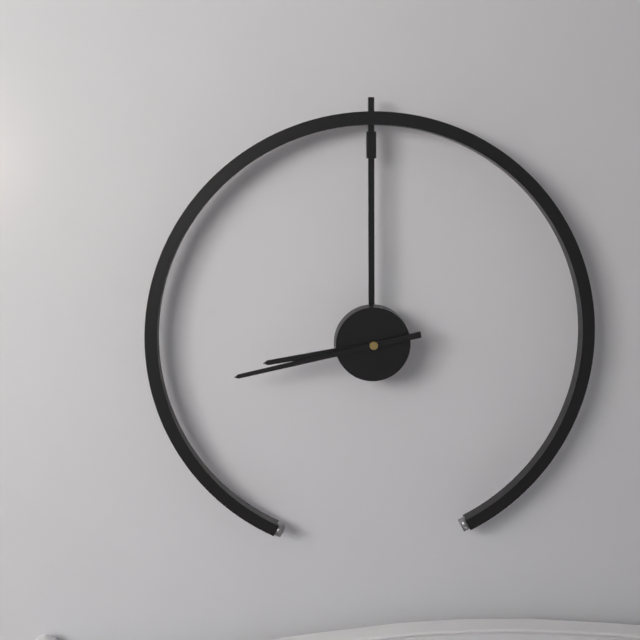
8:43
